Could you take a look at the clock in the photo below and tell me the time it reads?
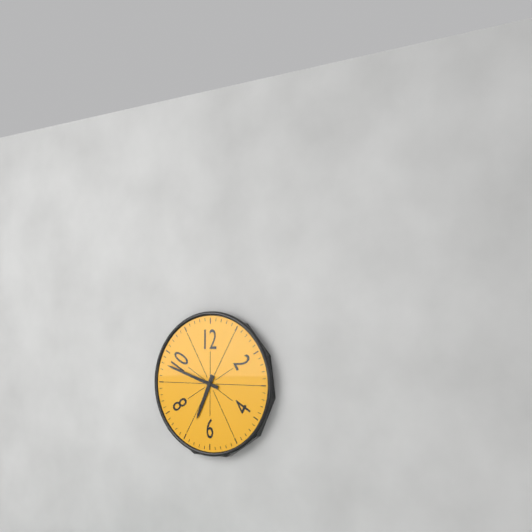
6:48
